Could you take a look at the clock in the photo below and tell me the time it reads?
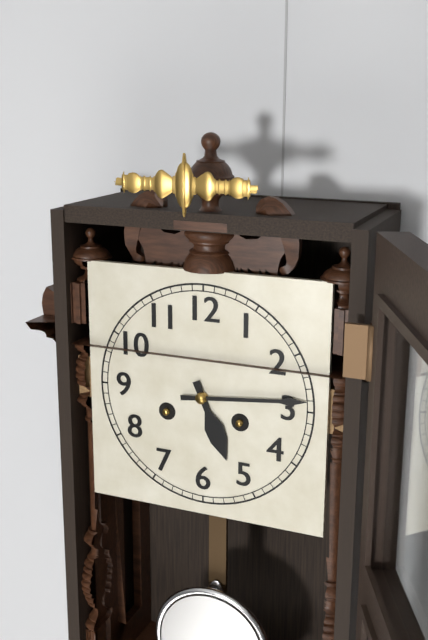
5:14
